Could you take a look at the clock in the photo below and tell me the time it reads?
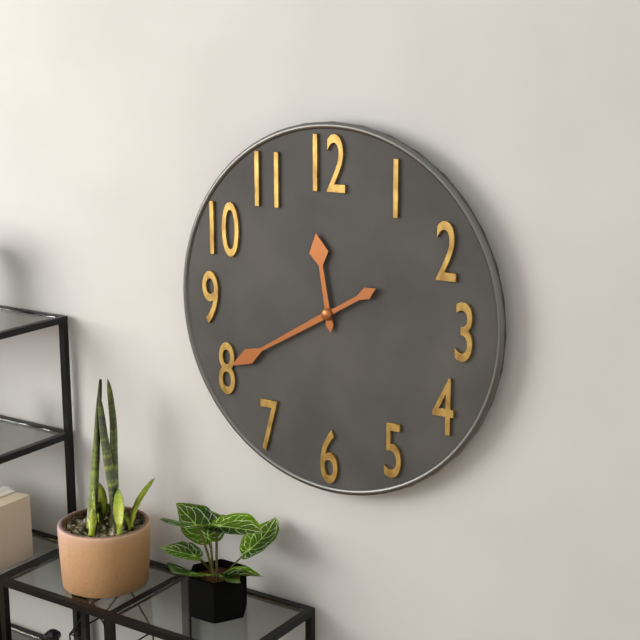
11:40
